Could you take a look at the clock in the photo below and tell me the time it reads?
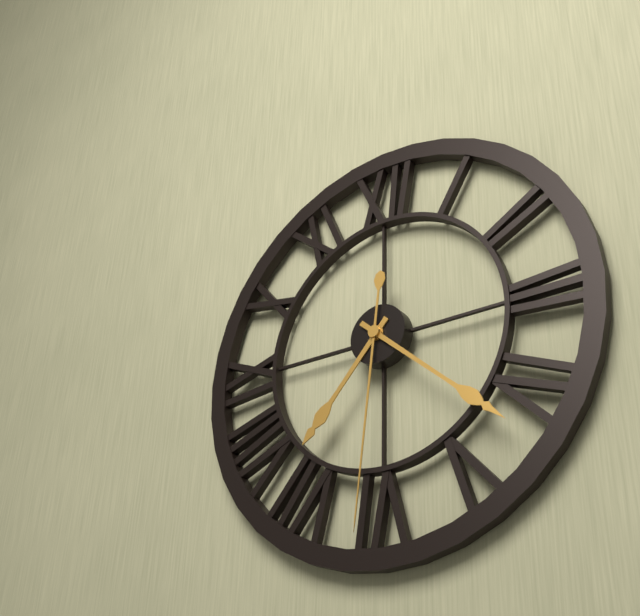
7:22:31
